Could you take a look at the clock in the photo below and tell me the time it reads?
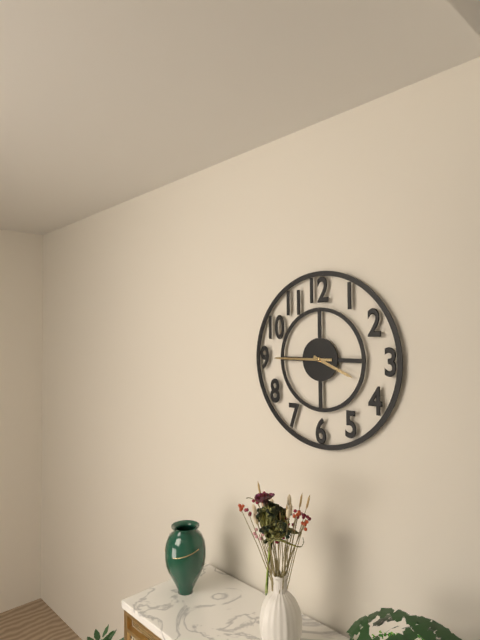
3:45
